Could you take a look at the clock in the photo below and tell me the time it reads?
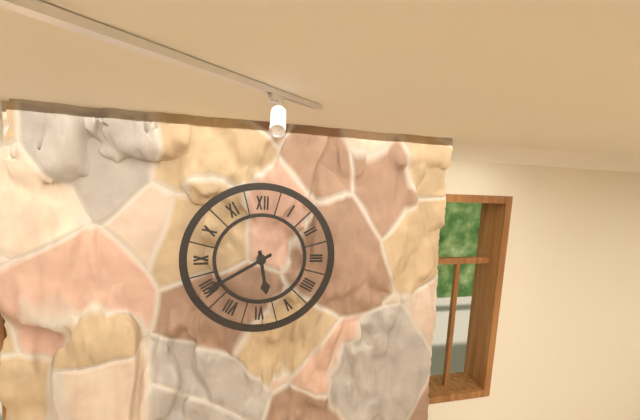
5:40
